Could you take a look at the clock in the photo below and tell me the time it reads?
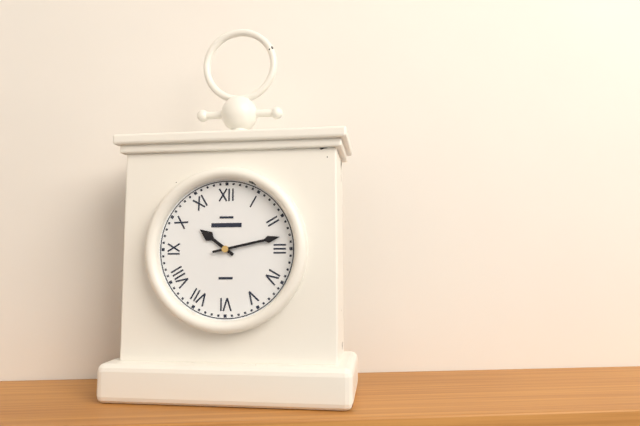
10:13
